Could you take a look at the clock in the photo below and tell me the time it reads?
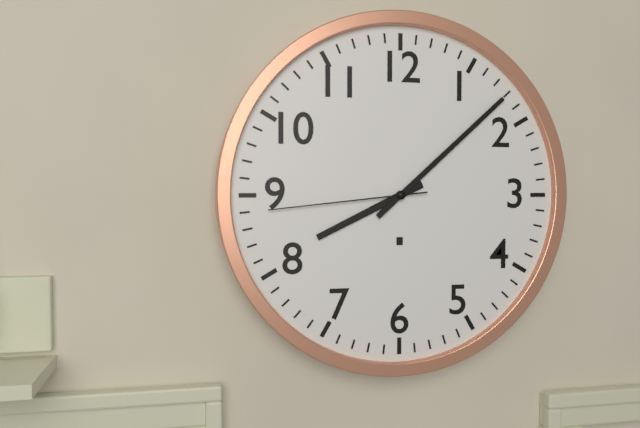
8:08:44
